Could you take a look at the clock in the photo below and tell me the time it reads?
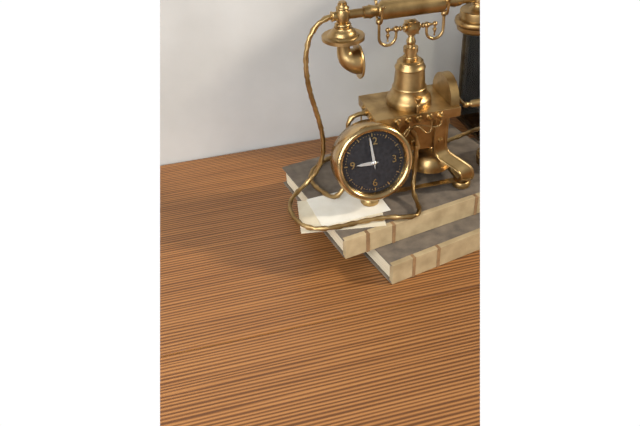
8:59
